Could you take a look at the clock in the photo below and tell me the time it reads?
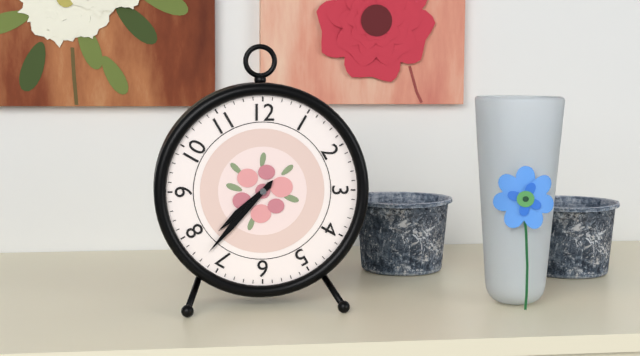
7:37
